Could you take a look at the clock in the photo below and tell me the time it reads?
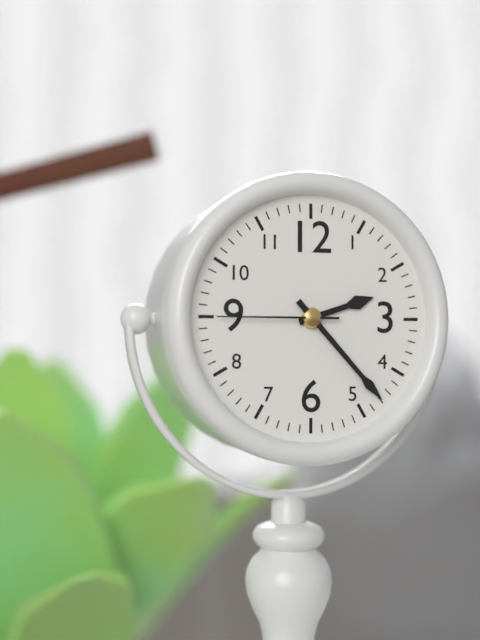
2:23:45
